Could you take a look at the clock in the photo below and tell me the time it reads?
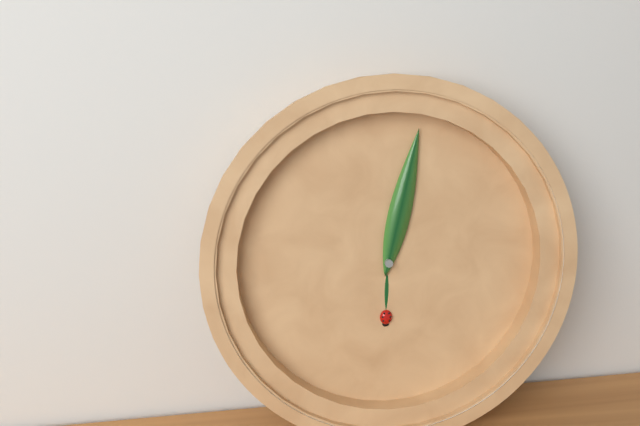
6:02
